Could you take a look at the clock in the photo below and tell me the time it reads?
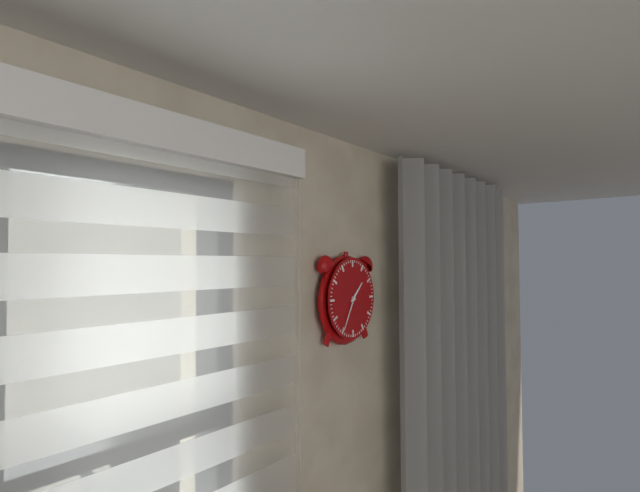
1:35
